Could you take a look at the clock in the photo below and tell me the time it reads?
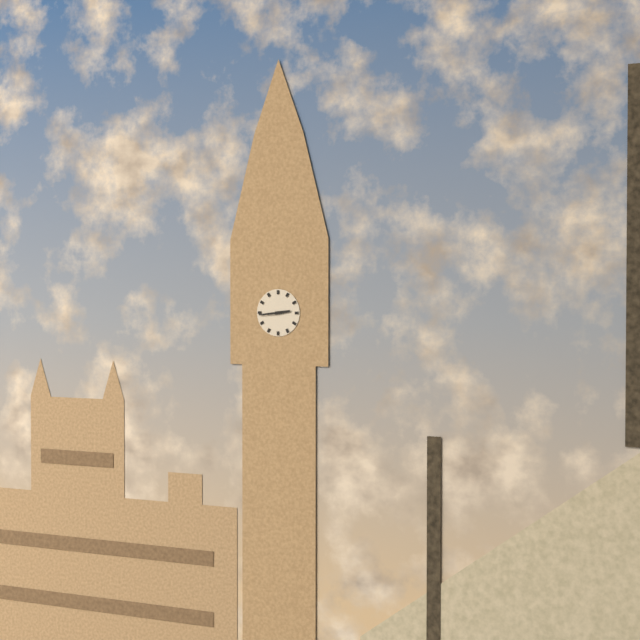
2:44
